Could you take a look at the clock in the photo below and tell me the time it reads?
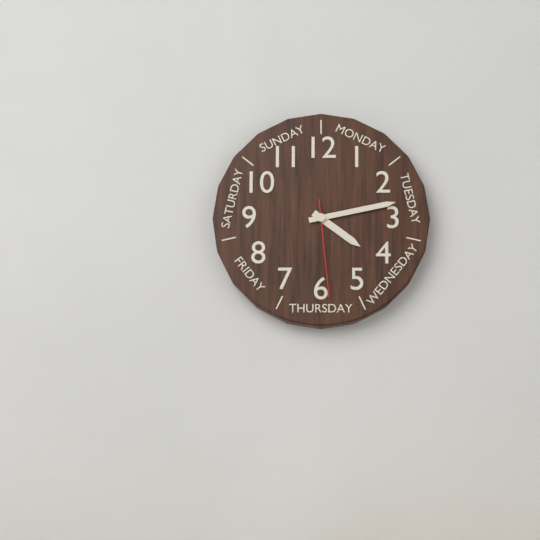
4:13:29
